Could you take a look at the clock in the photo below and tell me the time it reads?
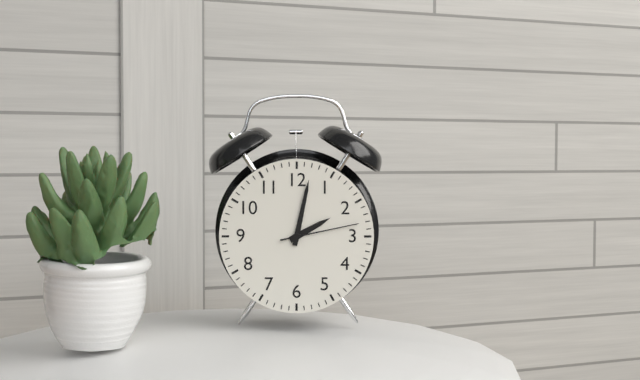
2:02:13
